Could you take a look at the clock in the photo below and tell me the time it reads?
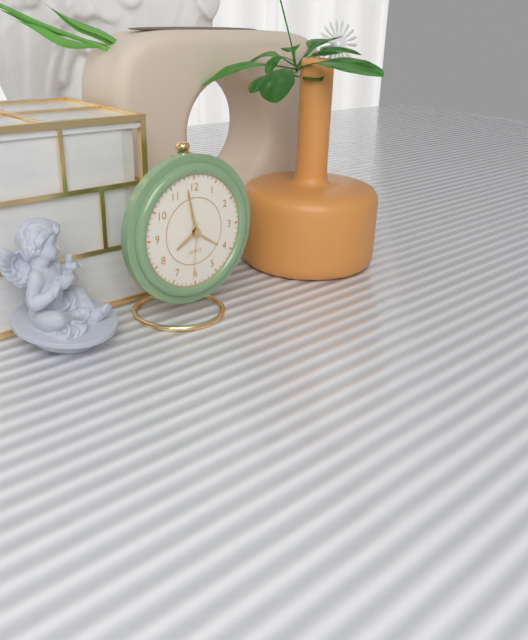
7:58:31
